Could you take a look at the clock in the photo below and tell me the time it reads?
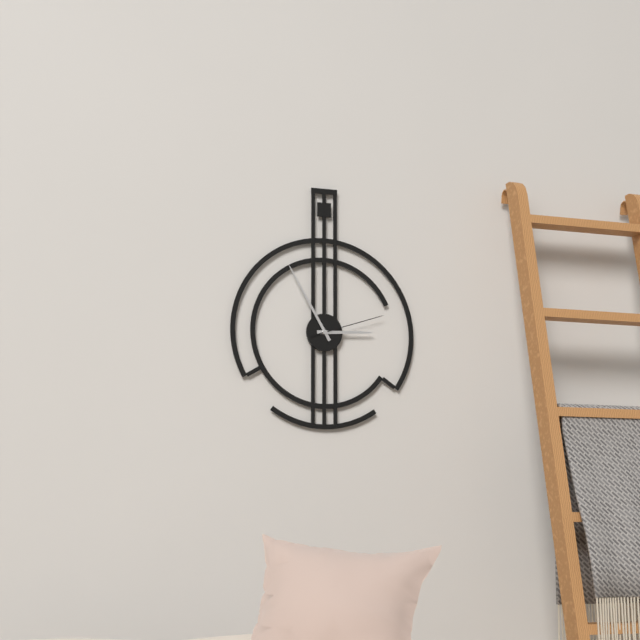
2:55:12
